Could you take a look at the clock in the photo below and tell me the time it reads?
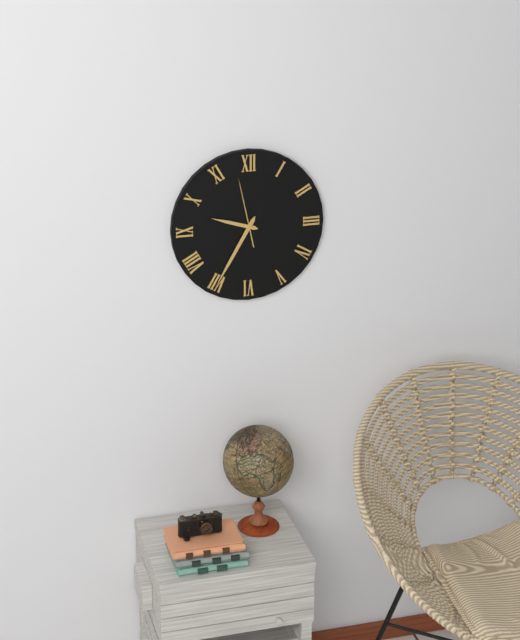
9:35:58
